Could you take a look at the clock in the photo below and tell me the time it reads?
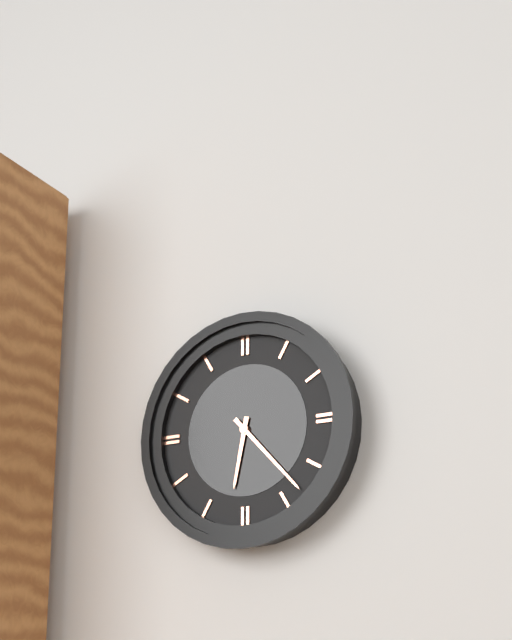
6:23
